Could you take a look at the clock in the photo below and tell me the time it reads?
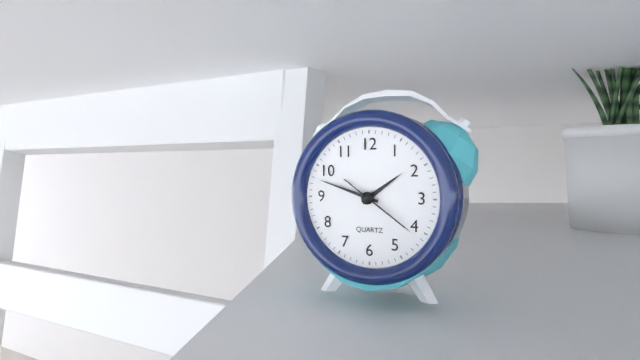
1:48:21
